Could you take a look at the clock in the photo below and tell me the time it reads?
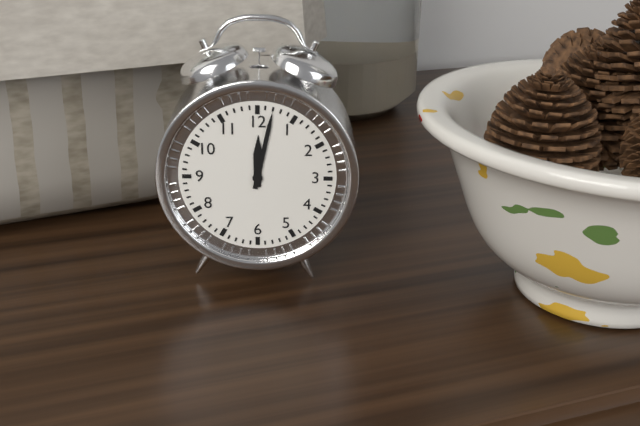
12:02
